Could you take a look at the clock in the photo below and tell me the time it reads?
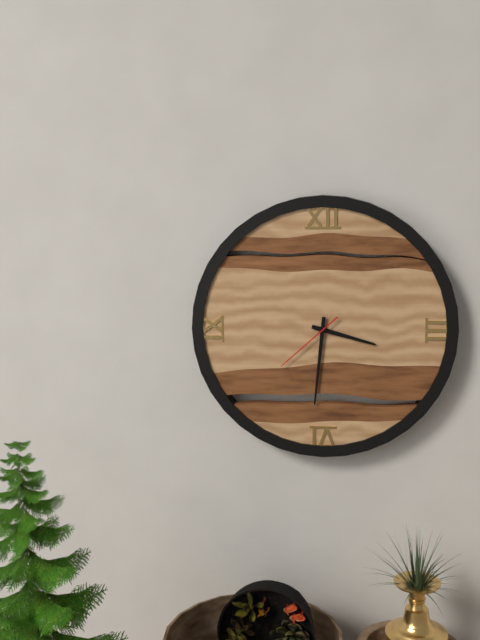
3:31:38
